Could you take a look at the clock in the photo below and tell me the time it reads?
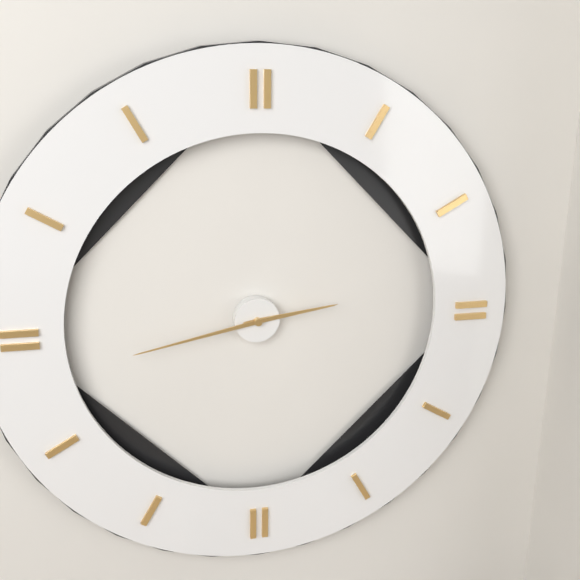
2:43
